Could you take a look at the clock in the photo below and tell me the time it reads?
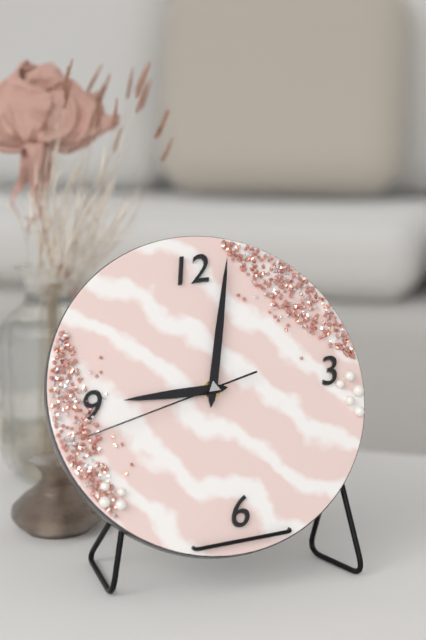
9:03:43
